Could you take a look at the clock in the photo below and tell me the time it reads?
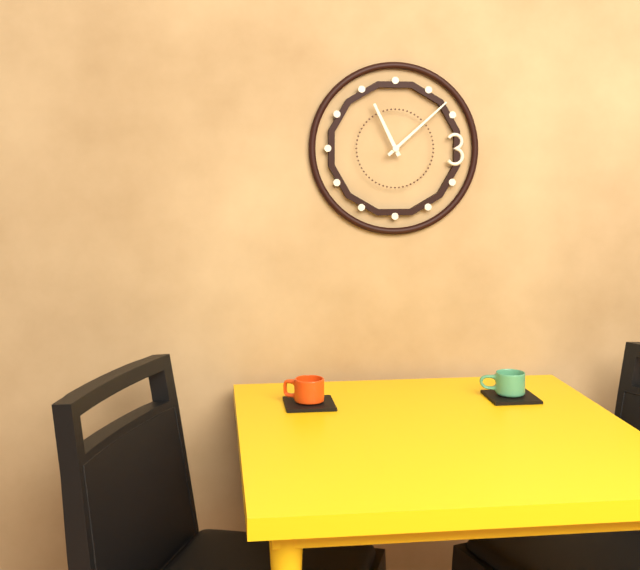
11:08
